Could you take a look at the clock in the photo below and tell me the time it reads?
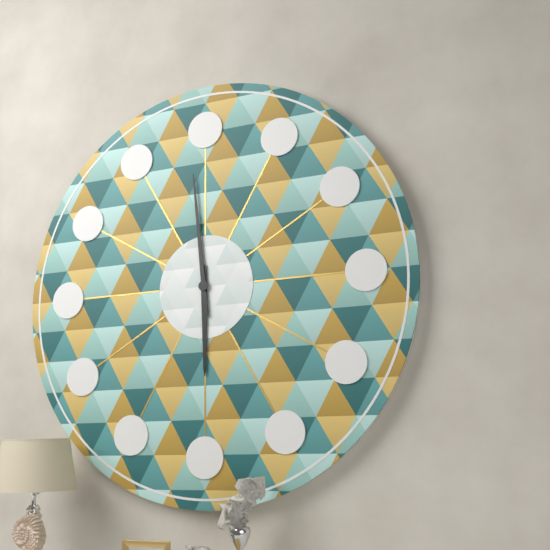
5:59
